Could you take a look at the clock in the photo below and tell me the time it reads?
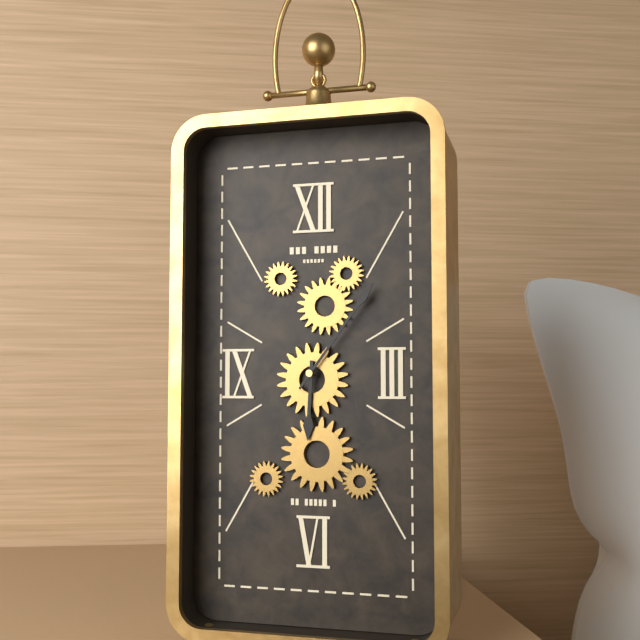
6:06
